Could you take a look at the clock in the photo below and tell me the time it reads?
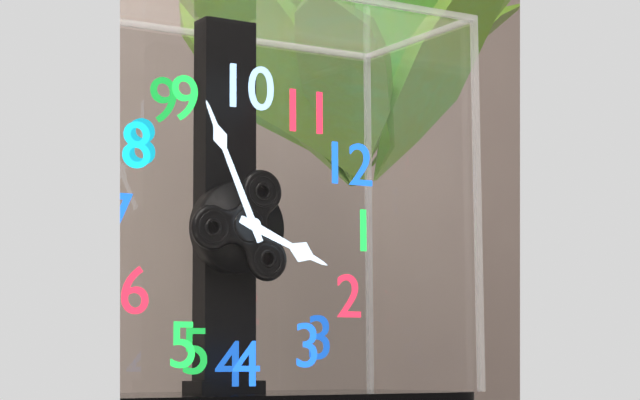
1:46
